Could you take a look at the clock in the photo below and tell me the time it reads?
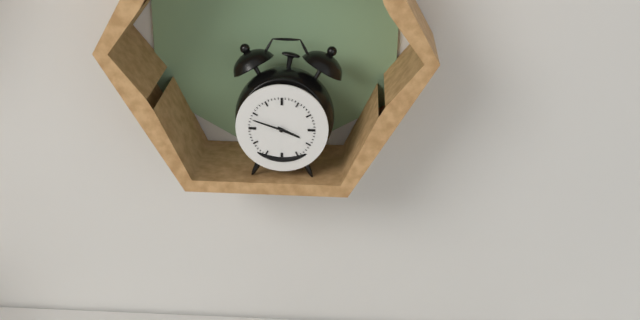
3:48
